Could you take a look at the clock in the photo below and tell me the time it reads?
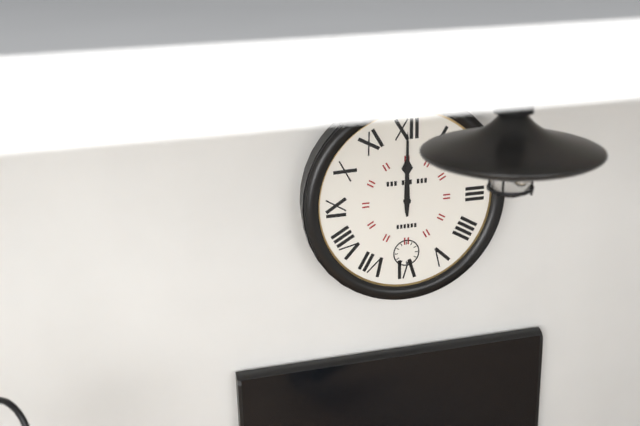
12:00
